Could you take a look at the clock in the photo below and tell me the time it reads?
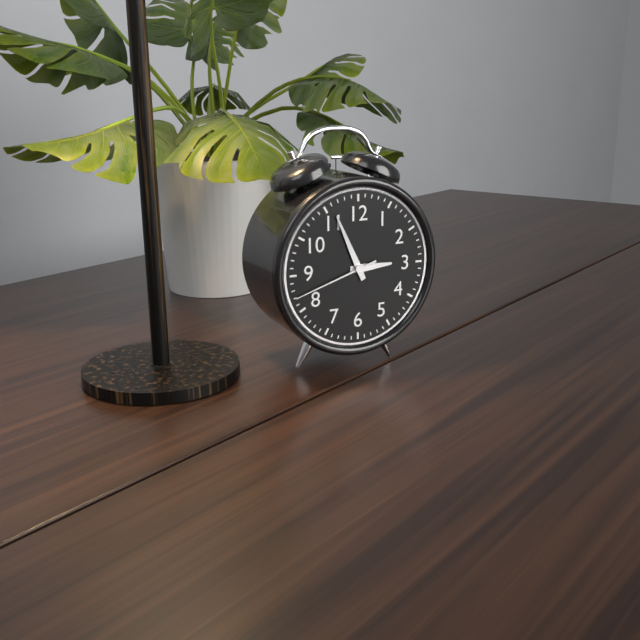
2:56:42
